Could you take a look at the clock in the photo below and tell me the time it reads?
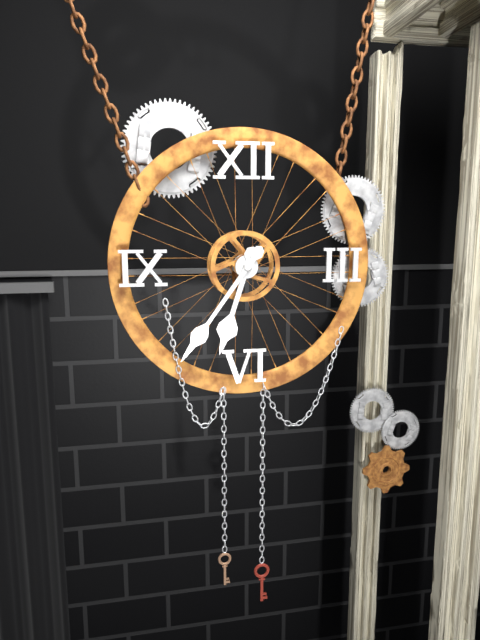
6:36
